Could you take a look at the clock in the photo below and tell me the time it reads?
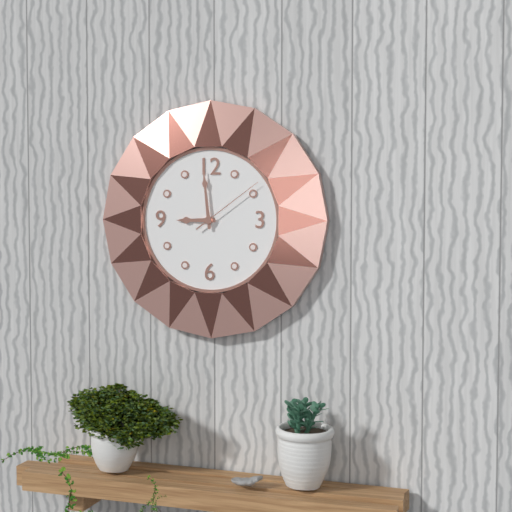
8:59:09
